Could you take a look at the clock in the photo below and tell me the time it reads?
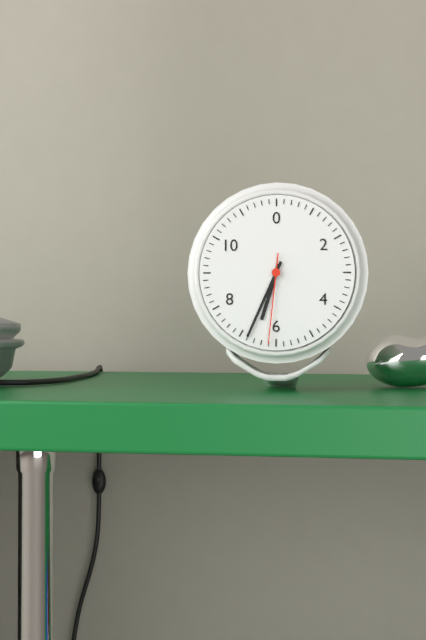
6:34:31
